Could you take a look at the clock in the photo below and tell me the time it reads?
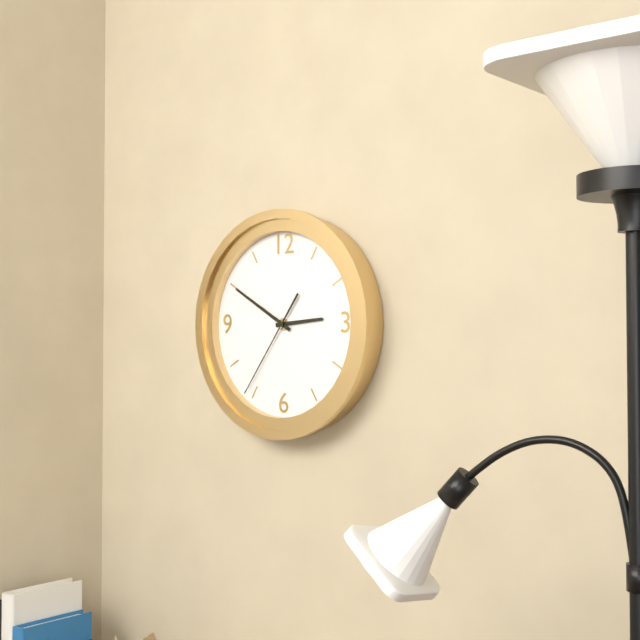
2:50:36
